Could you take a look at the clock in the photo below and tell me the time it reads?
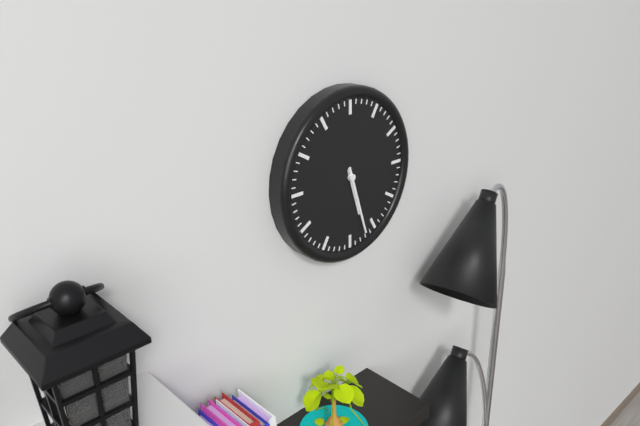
5:27
